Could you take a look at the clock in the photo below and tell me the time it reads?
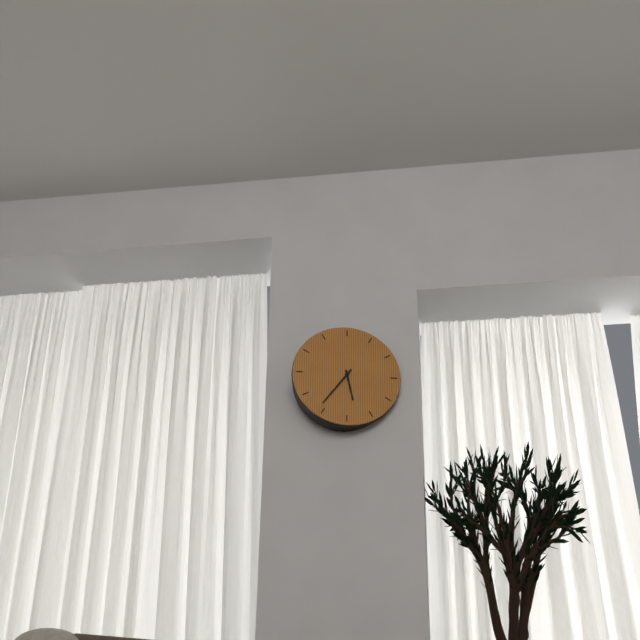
5:36
